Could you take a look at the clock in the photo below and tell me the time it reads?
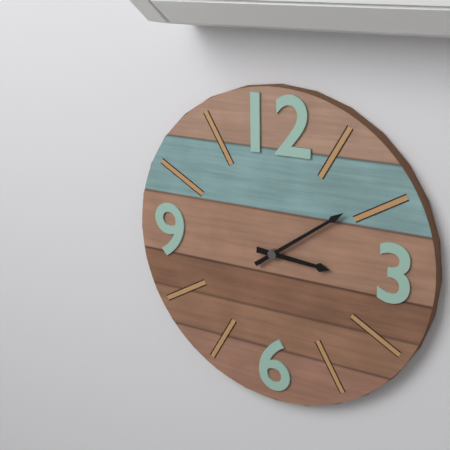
3:09
